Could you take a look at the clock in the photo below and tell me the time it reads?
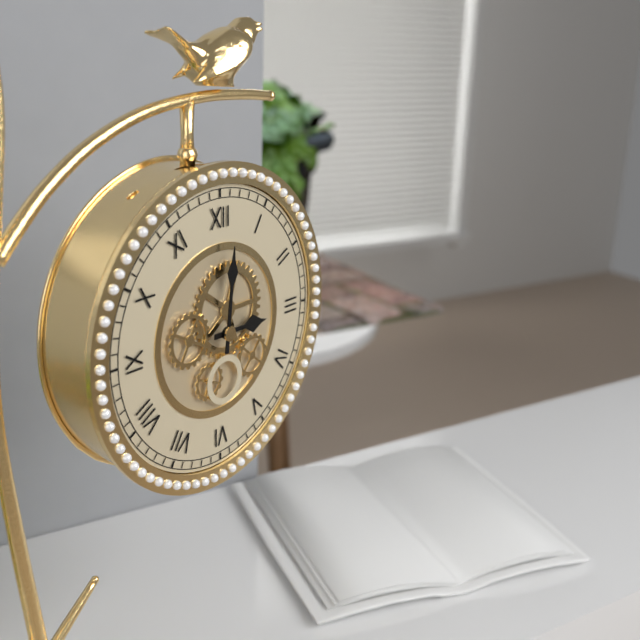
3:01
